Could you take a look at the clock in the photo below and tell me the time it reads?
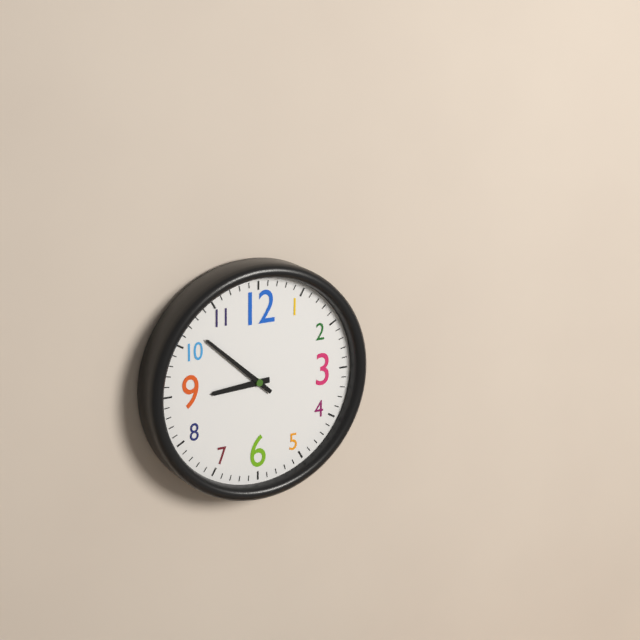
8:52
